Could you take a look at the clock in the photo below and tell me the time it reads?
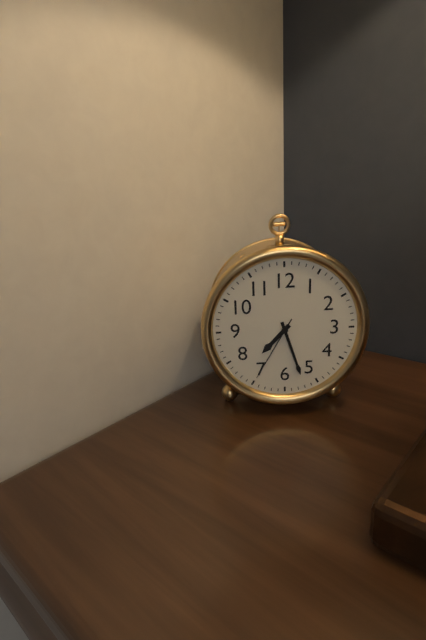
7:27:35
